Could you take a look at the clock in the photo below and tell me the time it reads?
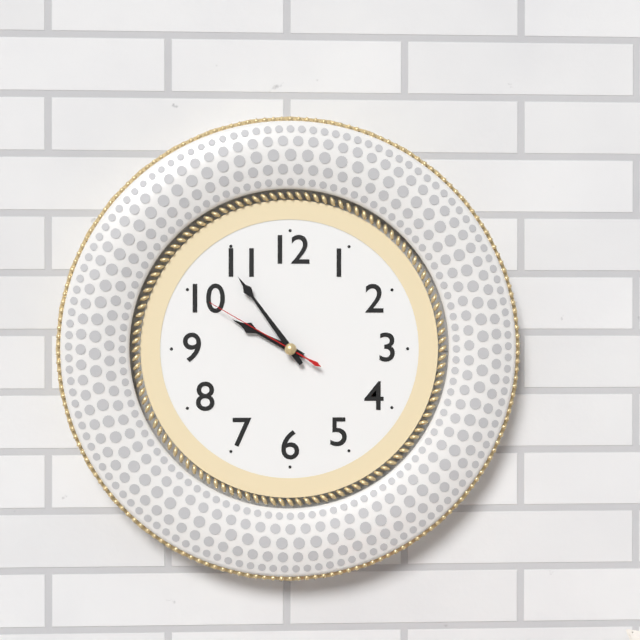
9:54:50
